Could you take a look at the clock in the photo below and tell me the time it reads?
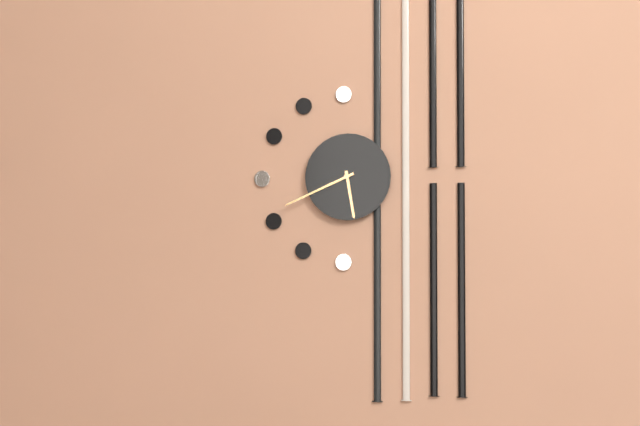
5:41
